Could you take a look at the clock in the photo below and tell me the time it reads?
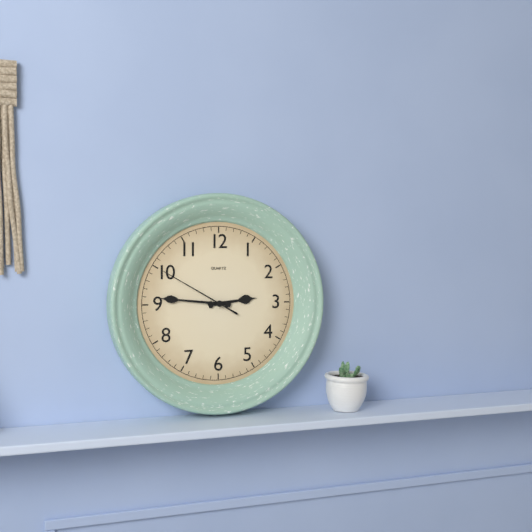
2:46:50
